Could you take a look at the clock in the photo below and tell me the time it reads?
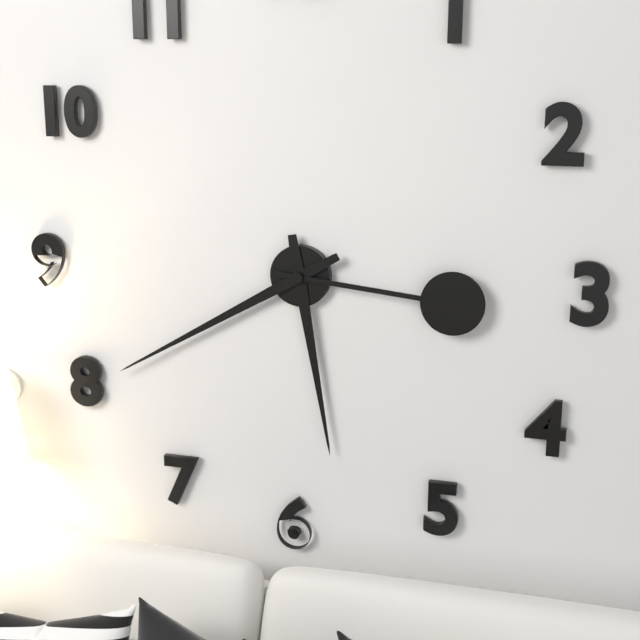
5:40:16
